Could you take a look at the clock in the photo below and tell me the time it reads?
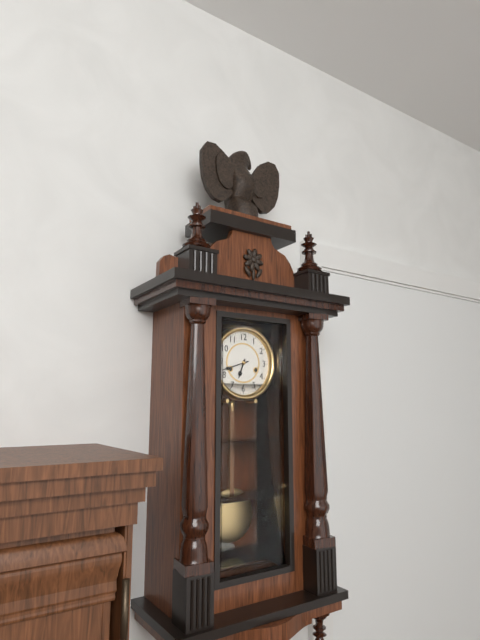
6:42
